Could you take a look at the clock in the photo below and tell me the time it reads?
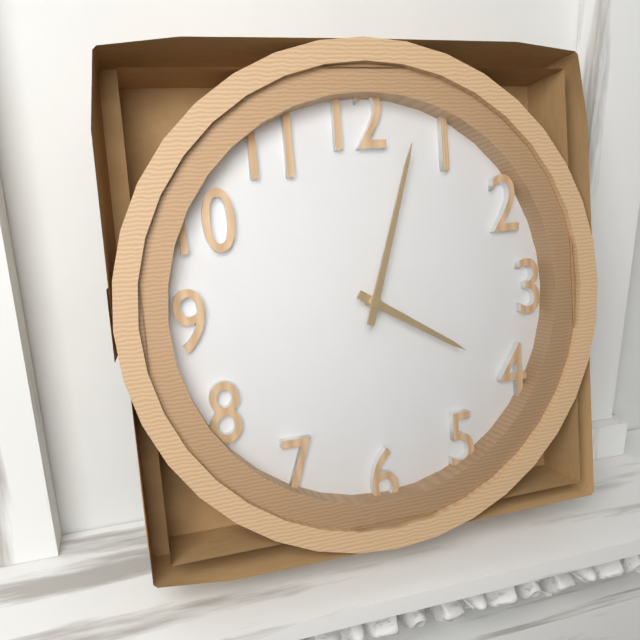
4:03
